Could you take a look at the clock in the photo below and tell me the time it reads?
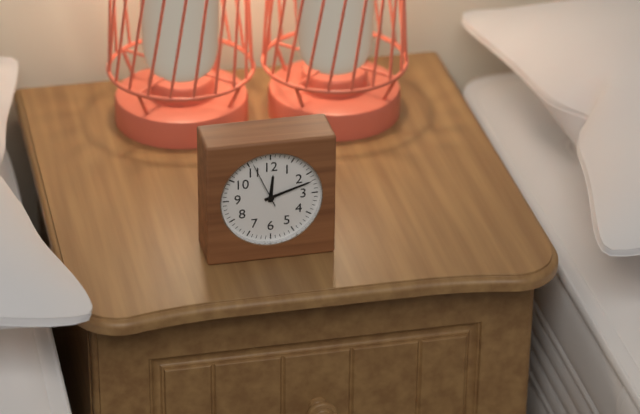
12:12
